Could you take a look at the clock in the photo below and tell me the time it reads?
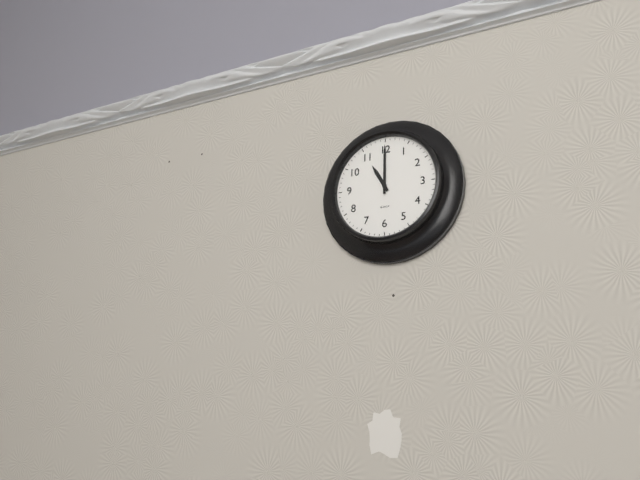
11:00
